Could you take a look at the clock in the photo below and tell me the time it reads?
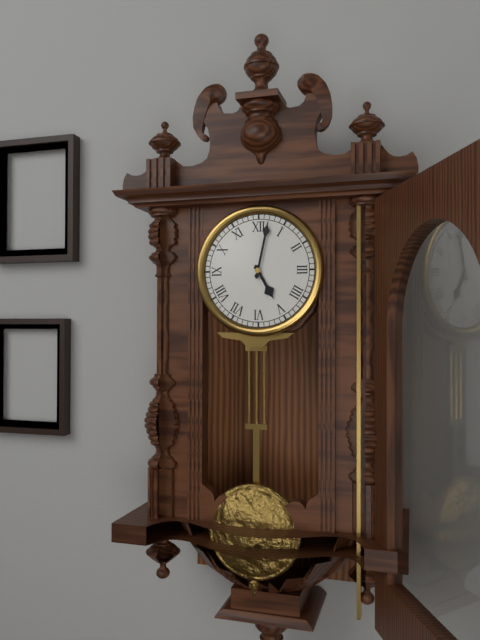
5:02
